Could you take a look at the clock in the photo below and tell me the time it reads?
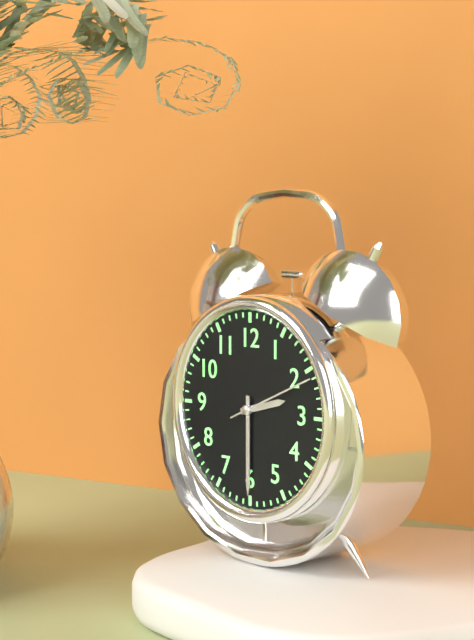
2:30:11
